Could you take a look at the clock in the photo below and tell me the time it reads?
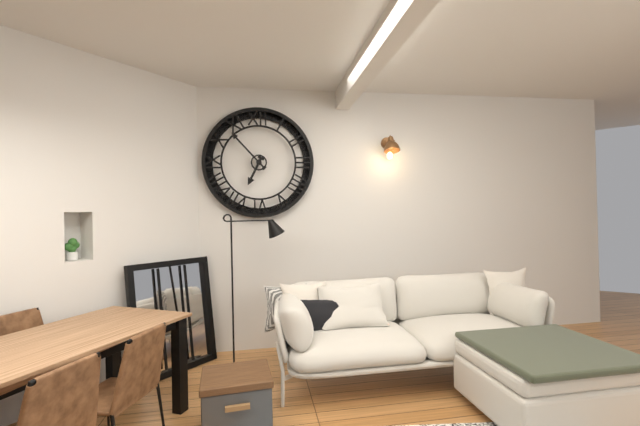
6:53
